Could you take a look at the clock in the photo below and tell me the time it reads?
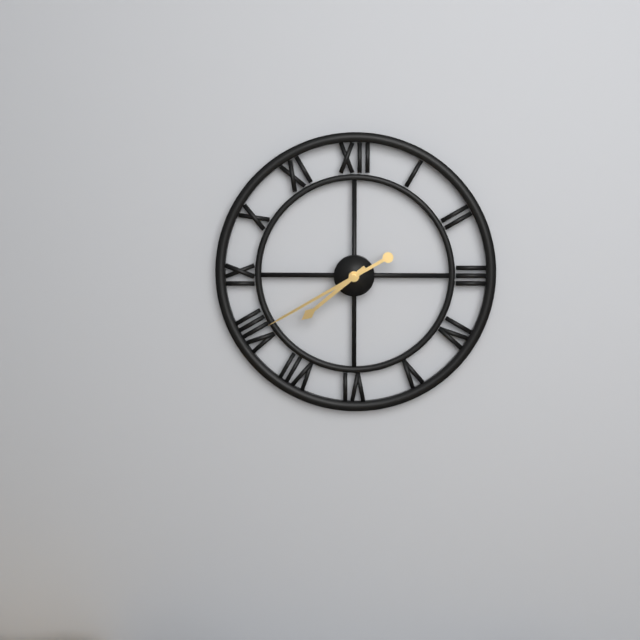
7:40
